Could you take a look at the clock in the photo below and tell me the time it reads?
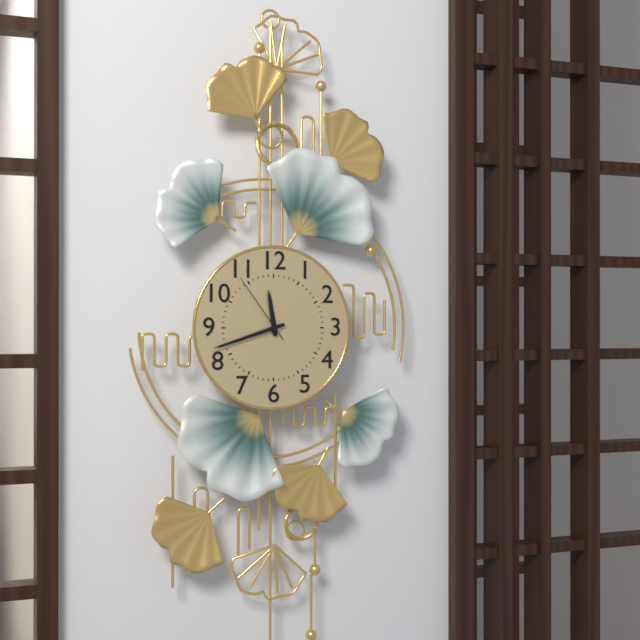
11:42:54
